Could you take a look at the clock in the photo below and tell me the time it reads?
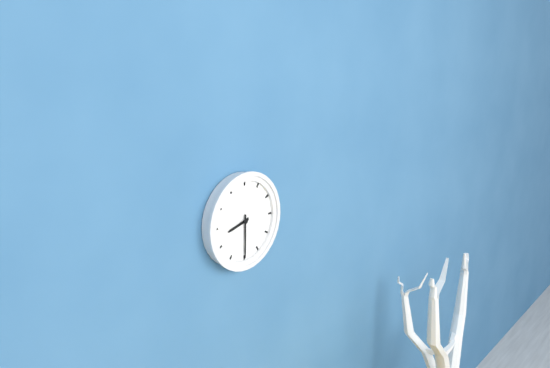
8:30
